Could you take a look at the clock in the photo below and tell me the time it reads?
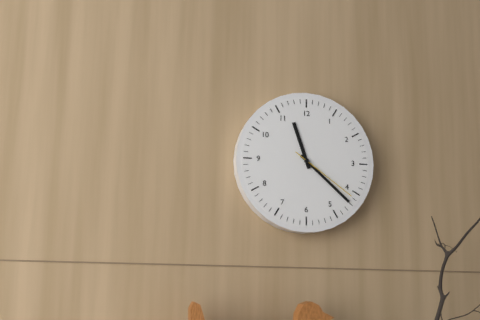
11:22:21
